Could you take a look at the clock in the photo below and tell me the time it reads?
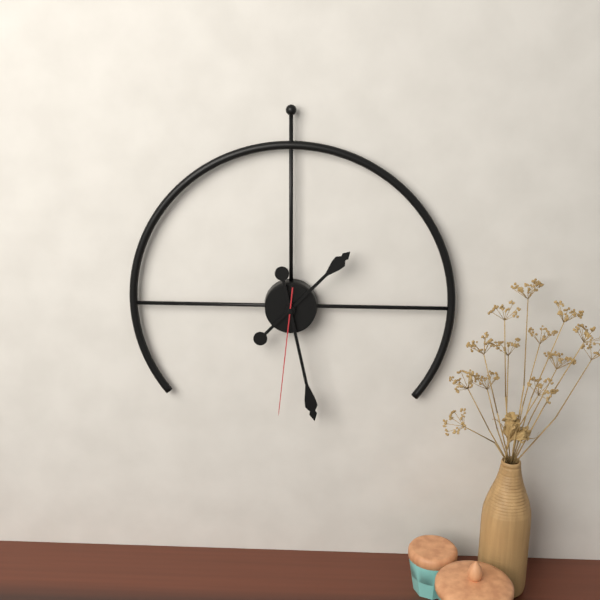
1:28:31
